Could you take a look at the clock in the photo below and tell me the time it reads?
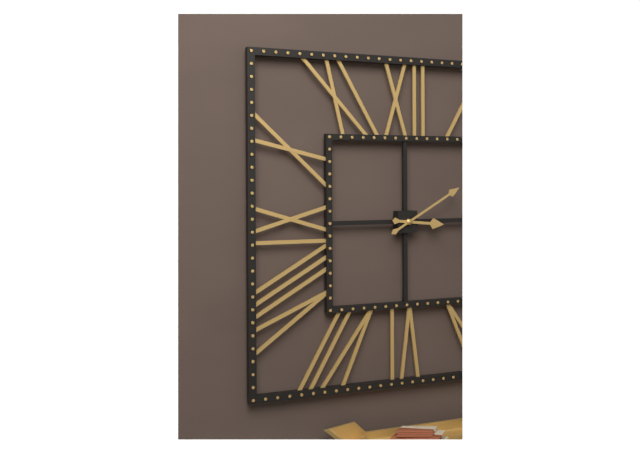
3:10
